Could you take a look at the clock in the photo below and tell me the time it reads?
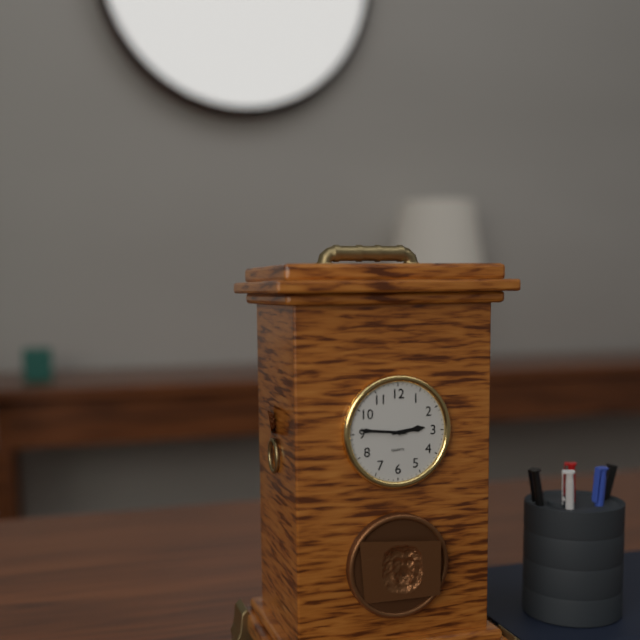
2:46
